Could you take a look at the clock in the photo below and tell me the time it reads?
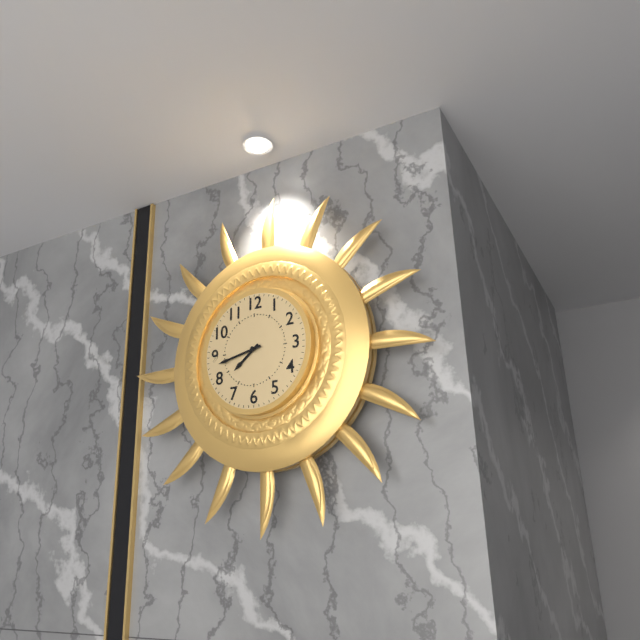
7:43
